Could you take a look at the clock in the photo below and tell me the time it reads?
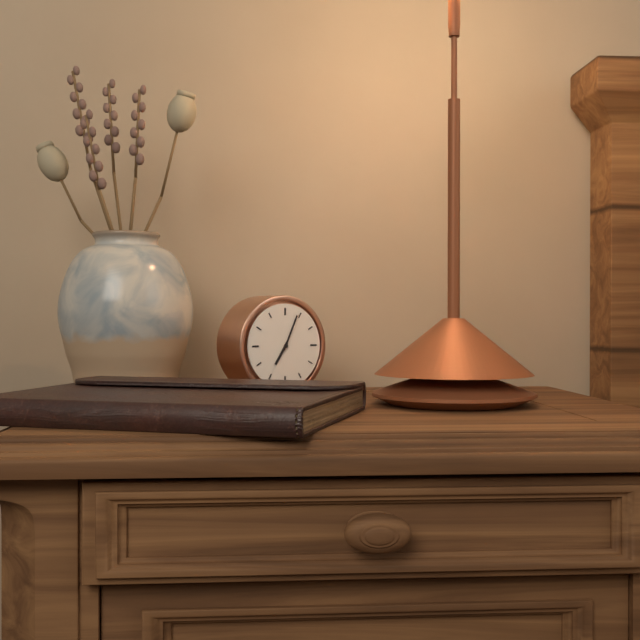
7:04
